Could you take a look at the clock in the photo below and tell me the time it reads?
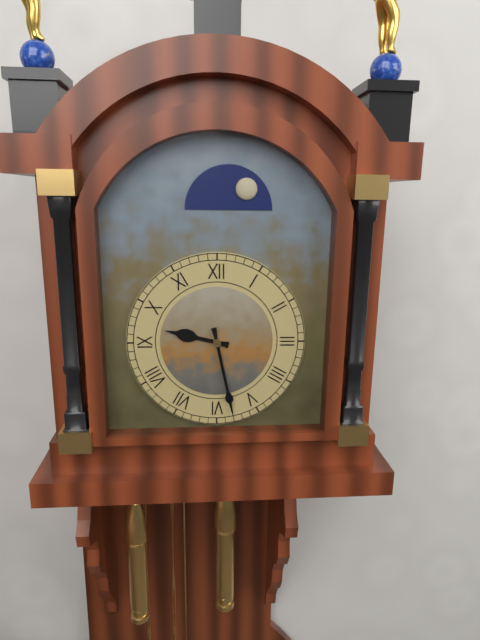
9:28
